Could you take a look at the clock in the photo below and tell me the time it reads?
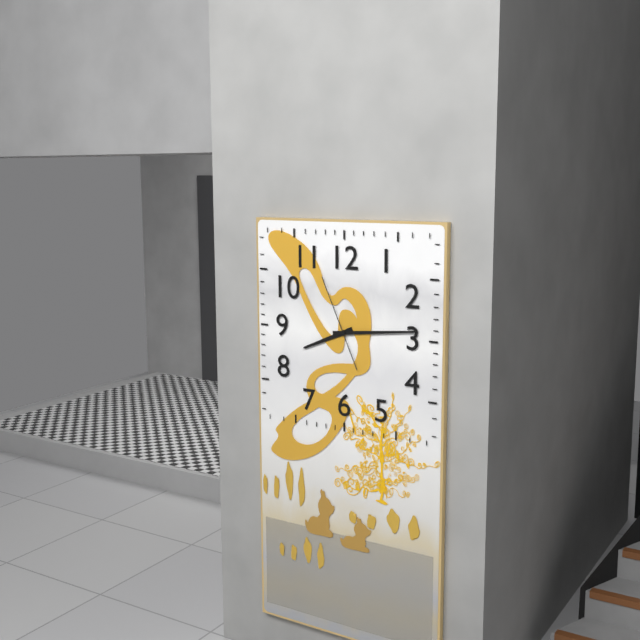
8:14:56
